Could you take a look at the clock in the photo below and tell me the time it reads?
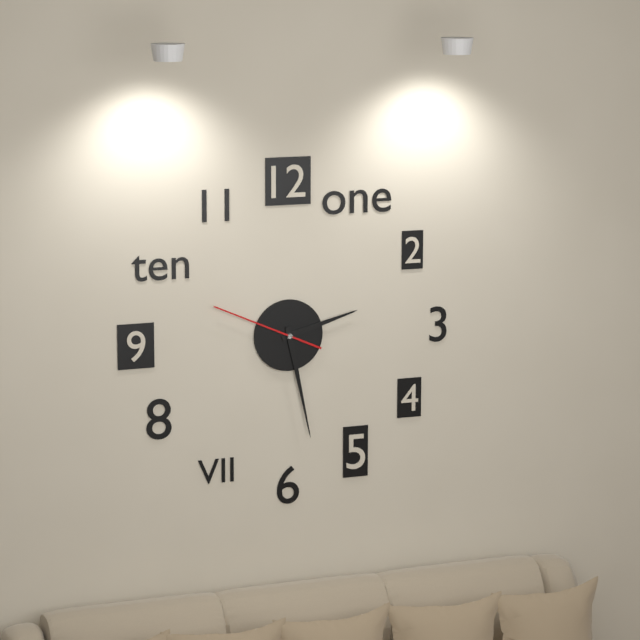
2:28:49
